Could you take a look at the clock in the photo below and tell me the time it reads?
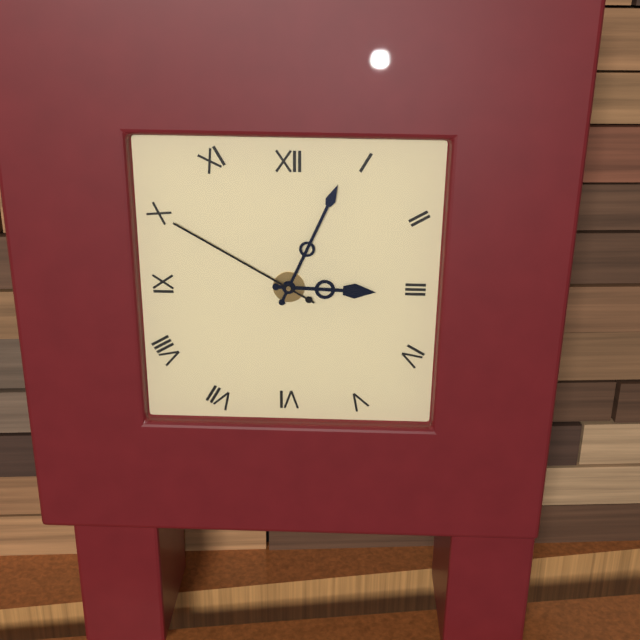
3:04:50
